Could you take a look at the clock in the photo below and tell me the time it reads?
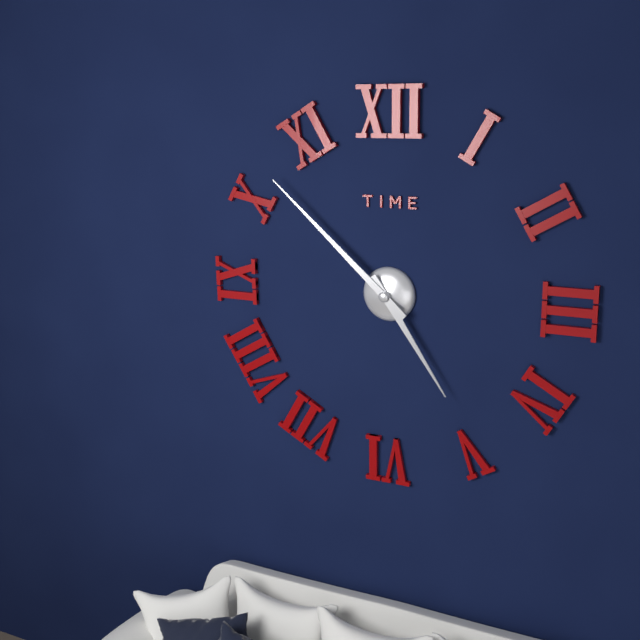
4:52
